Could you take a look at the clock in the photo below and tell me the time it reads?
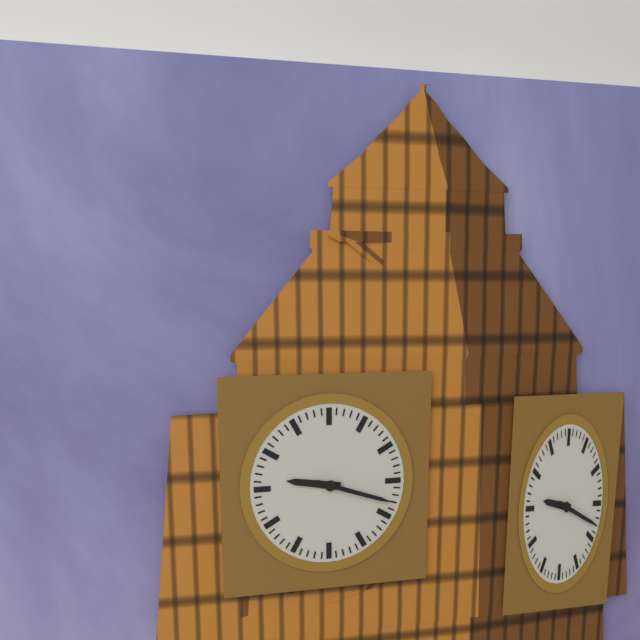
9:18
